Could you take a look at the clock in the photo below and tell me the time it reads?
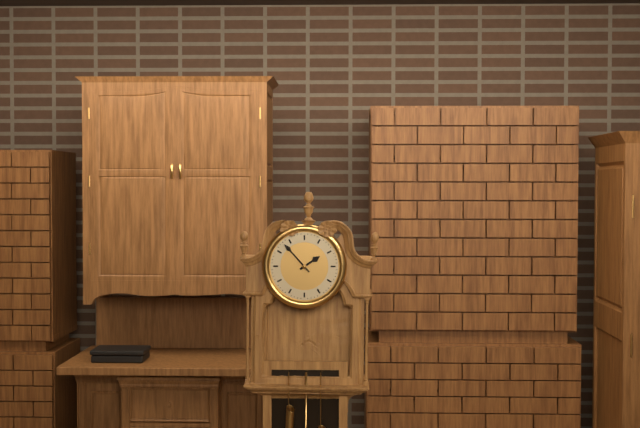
1:53
